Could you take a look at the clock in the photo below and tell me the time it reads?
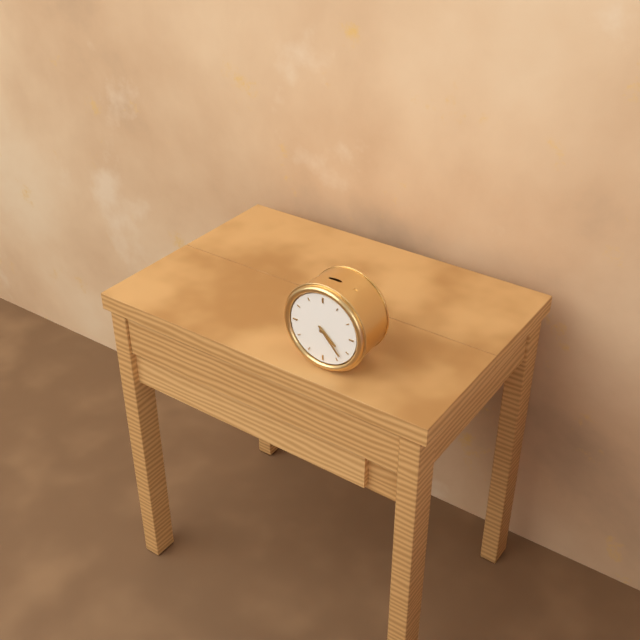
4:23
